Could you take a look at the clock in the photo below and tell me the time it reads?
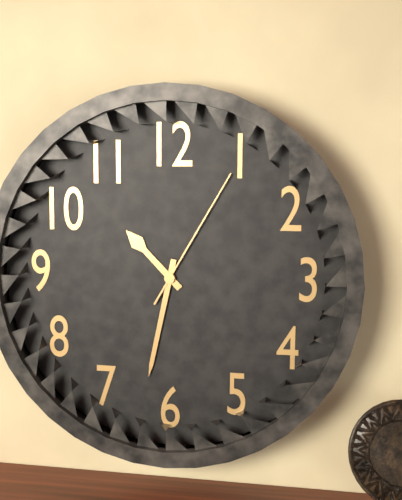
10:32:05
